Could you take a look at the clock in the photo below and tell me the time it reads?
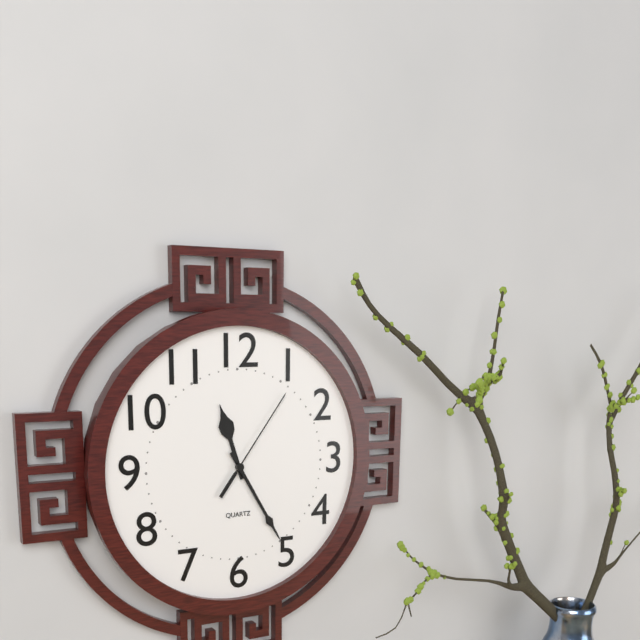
11:25:06
